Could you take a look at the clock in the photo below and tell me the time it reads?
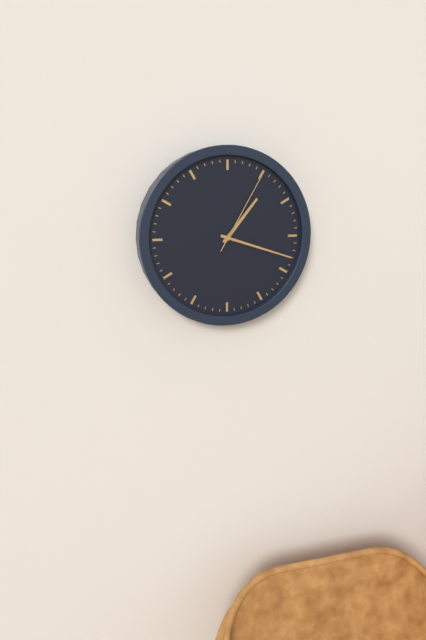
1:18:05
